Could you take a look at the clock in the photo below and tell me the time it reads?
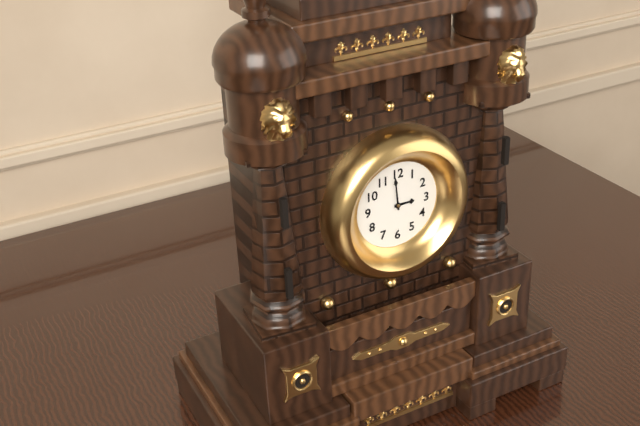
2:59
